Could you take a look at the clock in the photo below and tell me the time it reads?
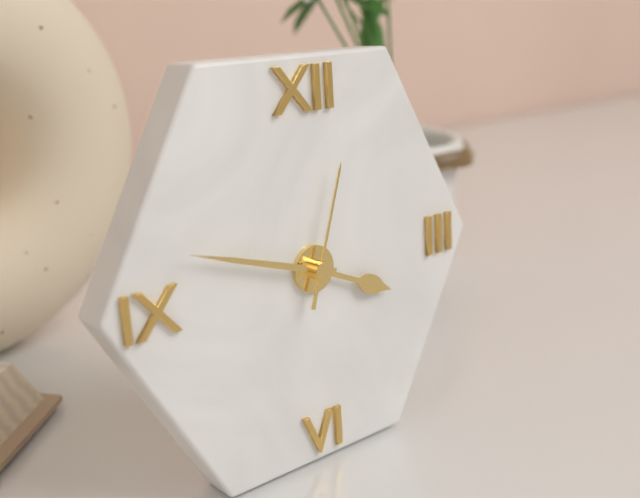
3:48:03
